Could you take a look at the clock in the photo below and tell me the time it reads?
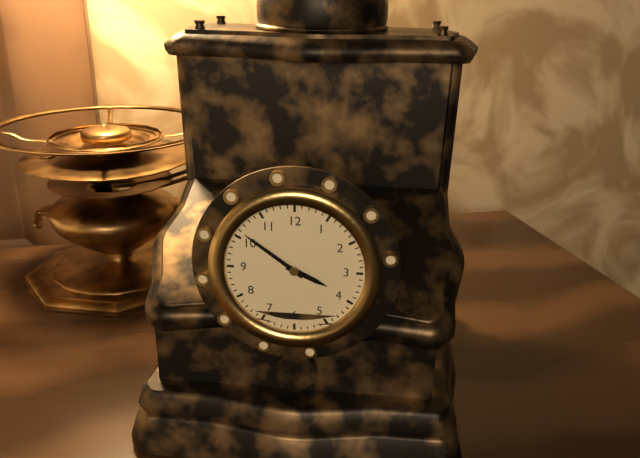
3:51
